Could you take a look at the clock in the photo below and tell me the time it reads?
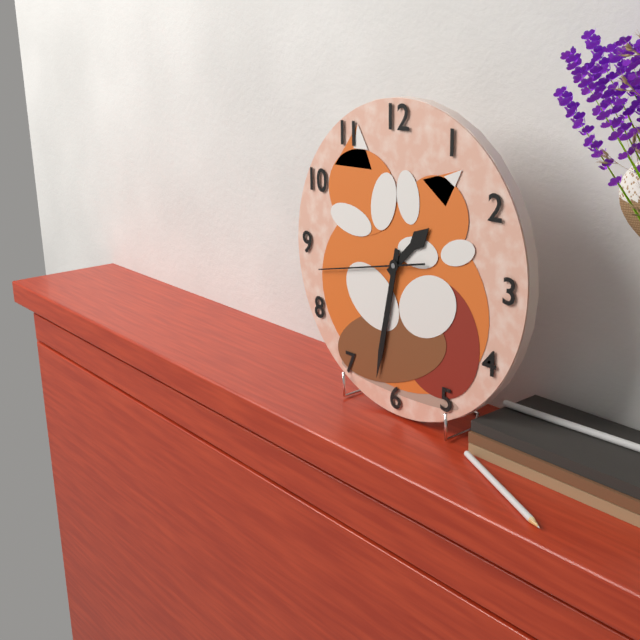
1:32:43
